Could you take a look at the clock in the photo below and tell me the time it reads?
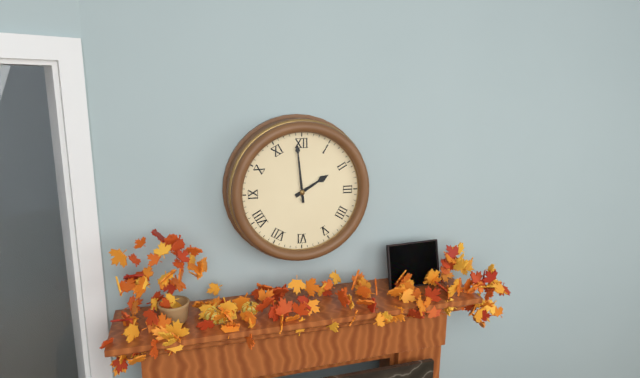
1:59
